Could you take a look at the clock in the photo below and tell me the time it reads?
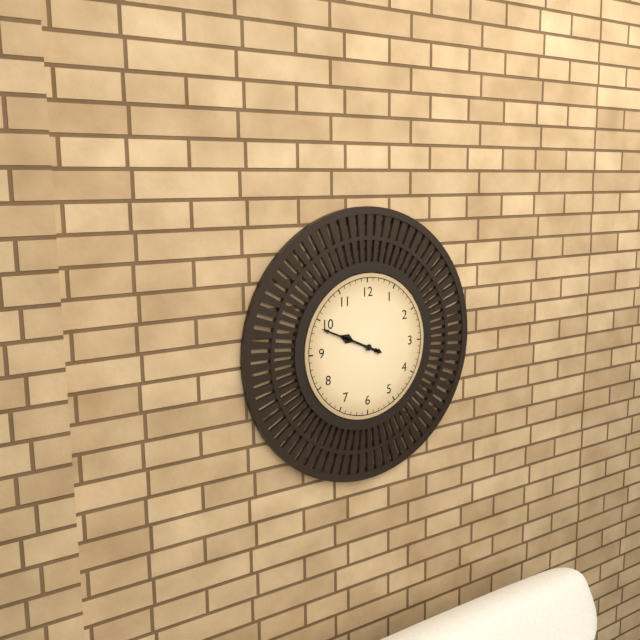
9:49
